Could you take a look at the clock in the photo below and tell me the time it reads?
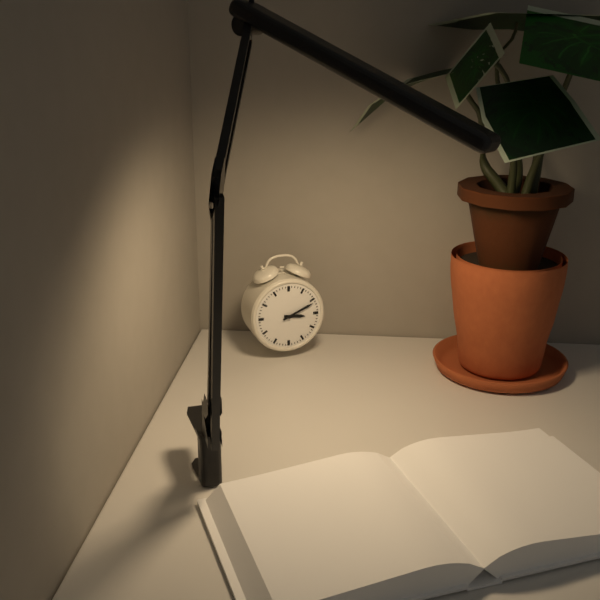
3:11
